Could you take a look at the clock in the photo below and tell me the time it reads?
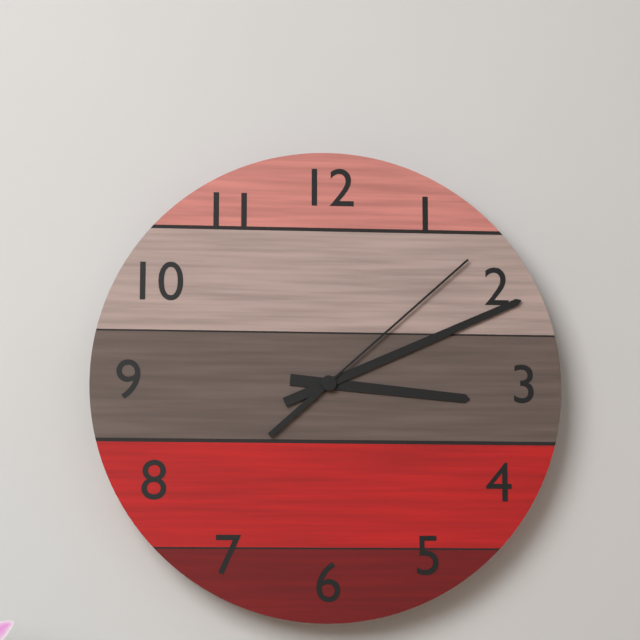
3:11:08
